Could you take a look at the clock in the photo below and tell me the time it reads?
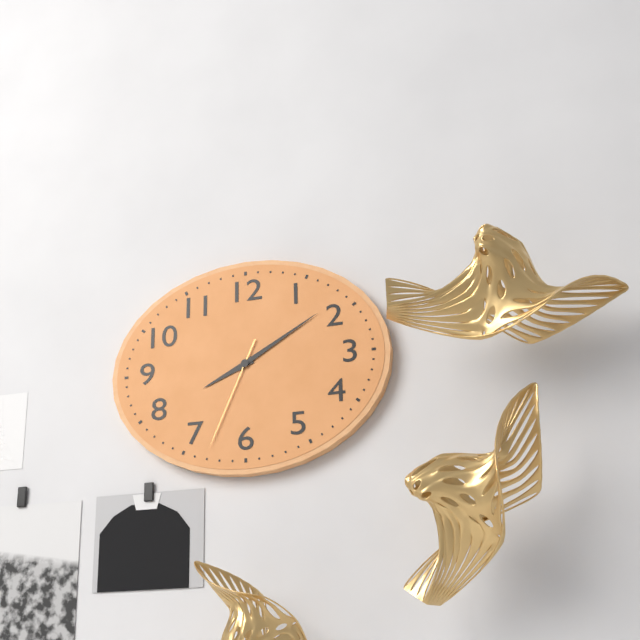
8:10:34
